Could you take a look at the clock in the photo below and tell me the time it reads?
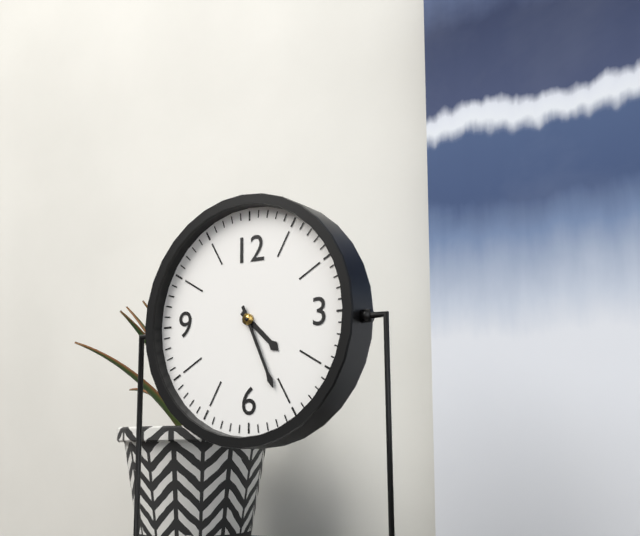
4:26
